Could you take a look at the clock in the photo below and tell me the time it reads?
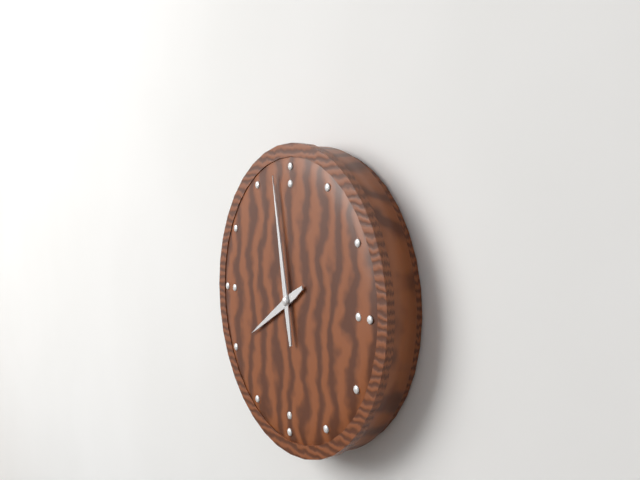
7:58
